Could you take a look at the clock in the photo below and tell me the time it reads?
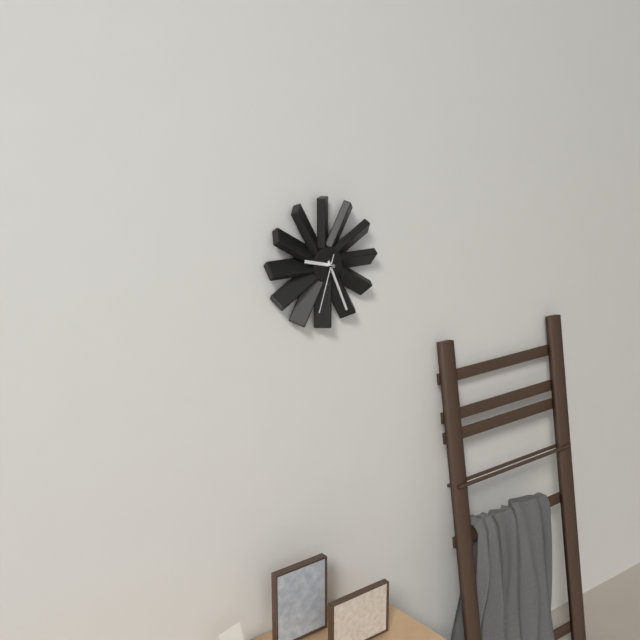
9:26:33
